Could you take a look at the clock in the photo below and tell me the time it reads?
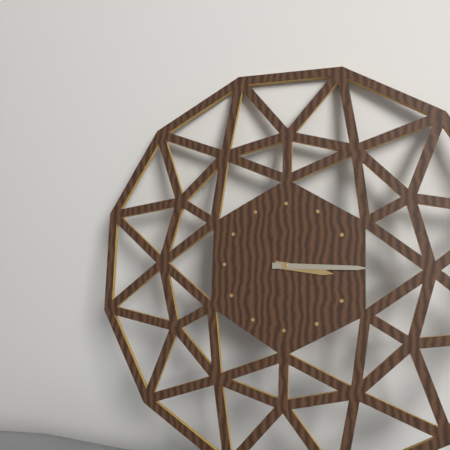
3:15
